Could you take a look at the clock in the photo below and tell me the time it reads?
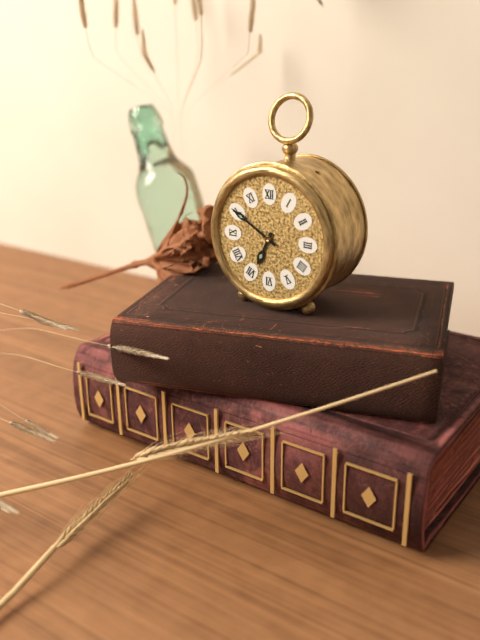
6:50
